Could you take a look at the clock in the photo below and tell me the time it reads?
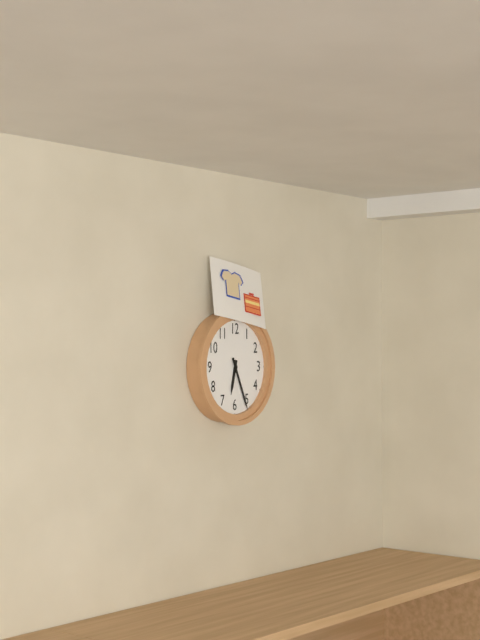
6:26
